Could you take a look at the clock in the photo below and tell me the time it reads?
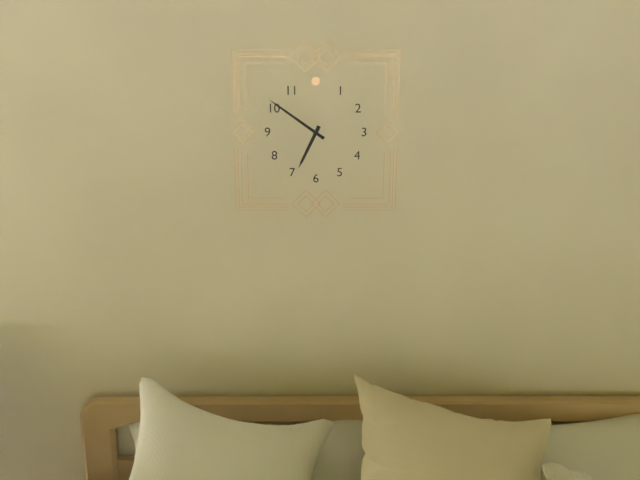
6:51
